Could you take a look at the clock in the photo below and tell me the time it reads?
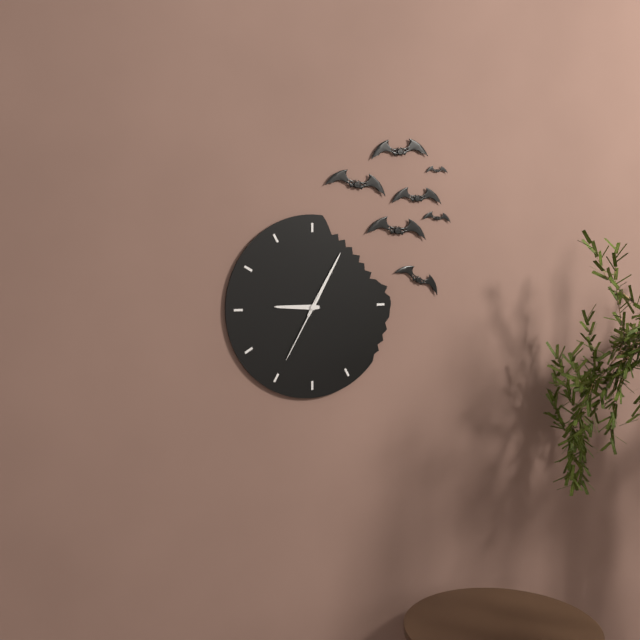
9:05:35
